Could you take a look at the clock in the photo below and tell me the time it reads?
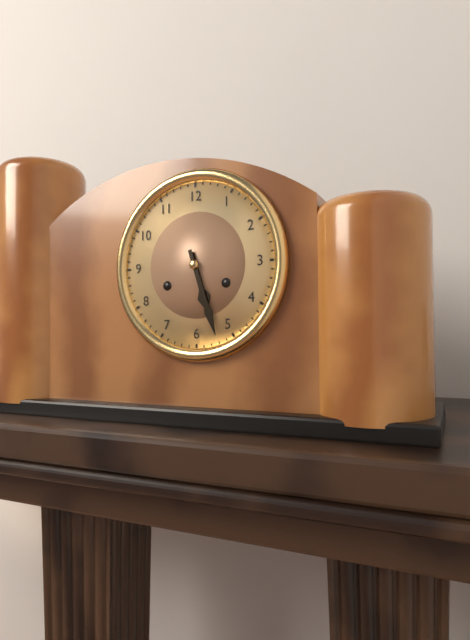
5:27
